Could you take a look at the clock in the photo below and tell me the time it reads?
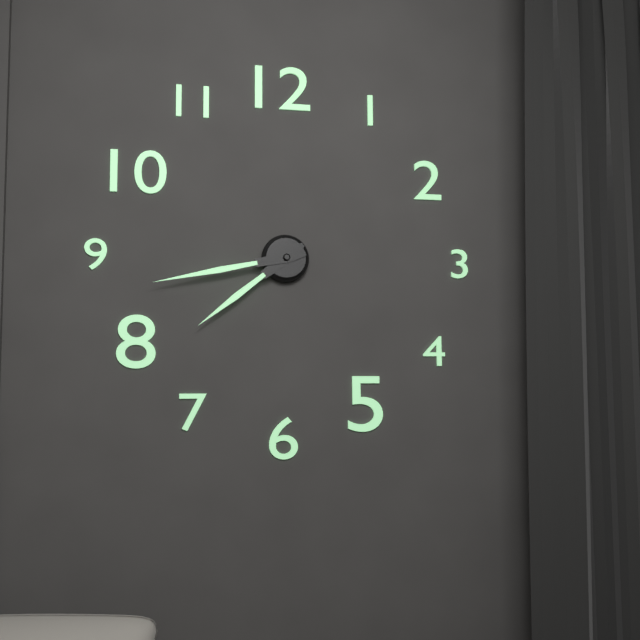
7:43
